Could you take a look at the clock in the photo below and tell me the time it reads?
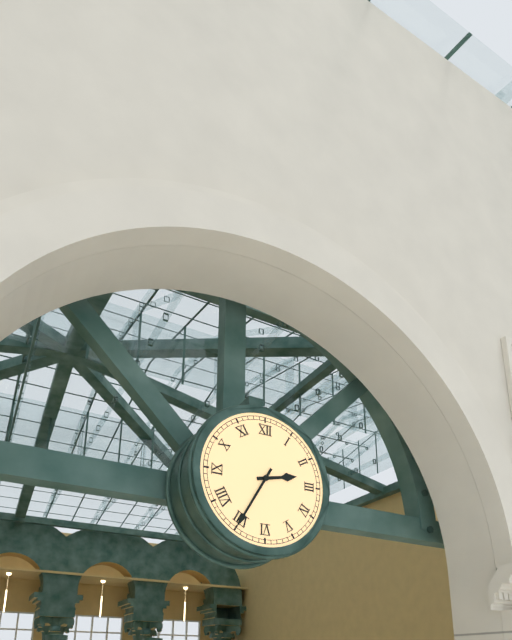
2:35
